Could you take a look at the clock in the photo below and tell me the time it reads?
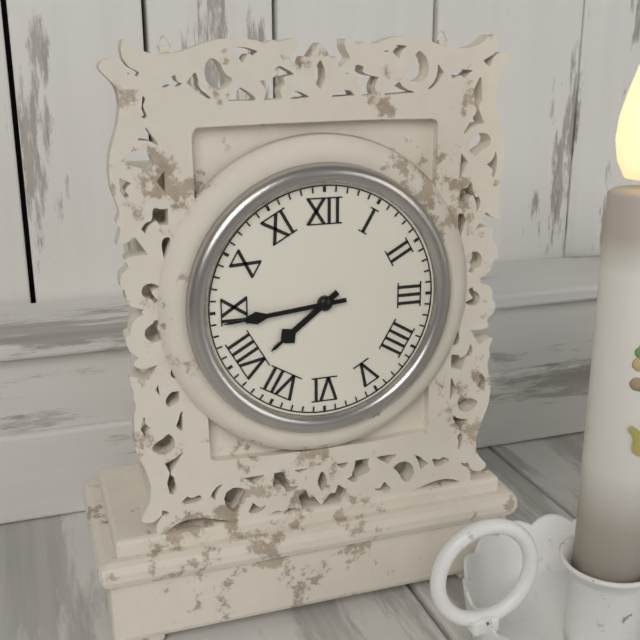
7:44
